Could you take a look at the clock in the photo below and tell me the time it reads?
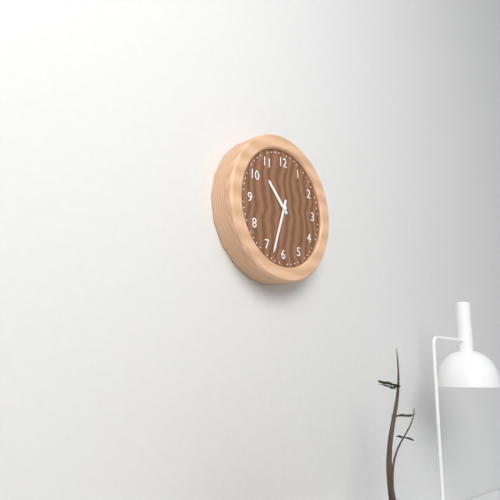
10:33
